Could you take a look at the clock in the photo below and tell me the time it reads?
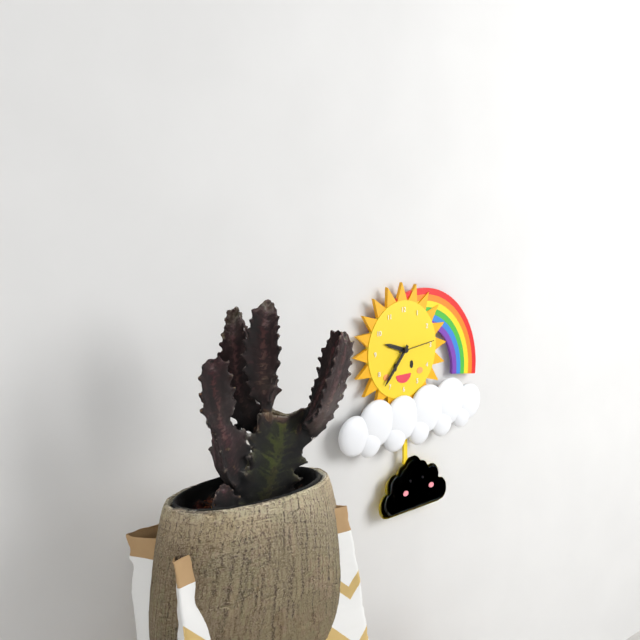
9:37
